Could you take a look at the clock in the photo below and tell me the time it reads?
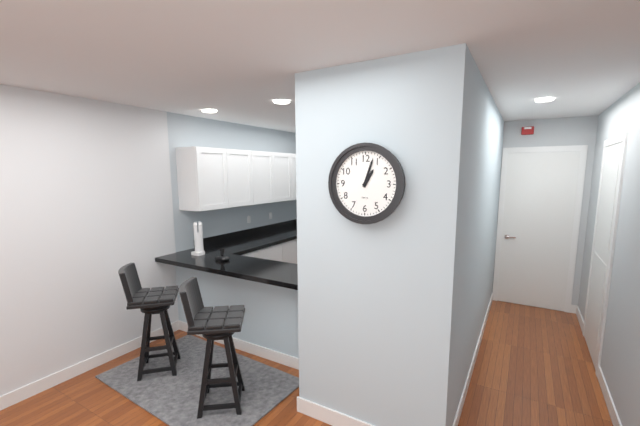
1:03
